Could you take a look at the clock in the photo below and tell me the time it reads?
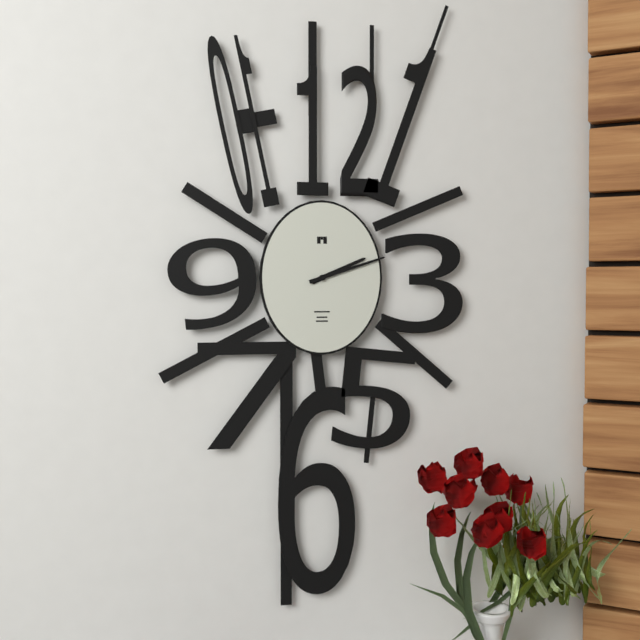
2:12
